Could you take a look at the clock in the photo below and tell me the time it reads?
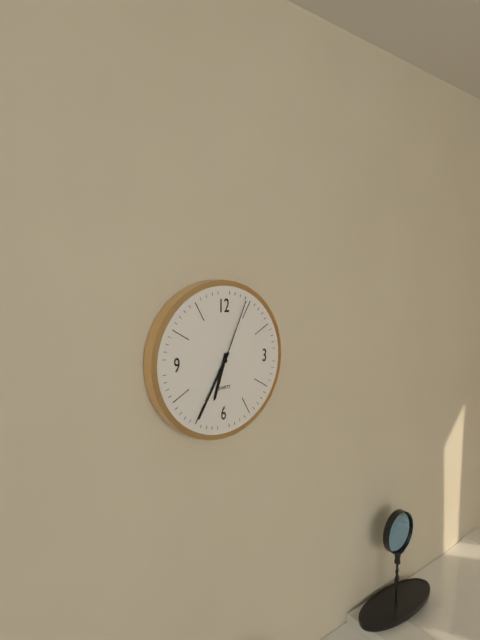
6:35:04
